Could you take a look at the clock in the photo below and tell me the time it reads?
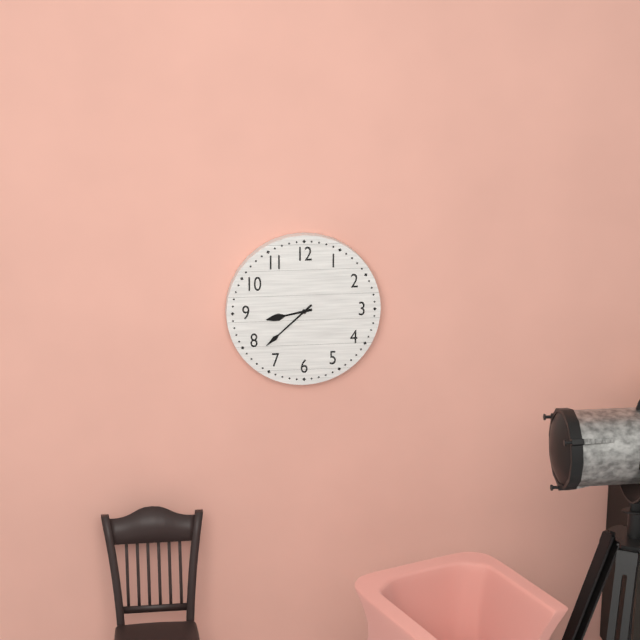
8:38
